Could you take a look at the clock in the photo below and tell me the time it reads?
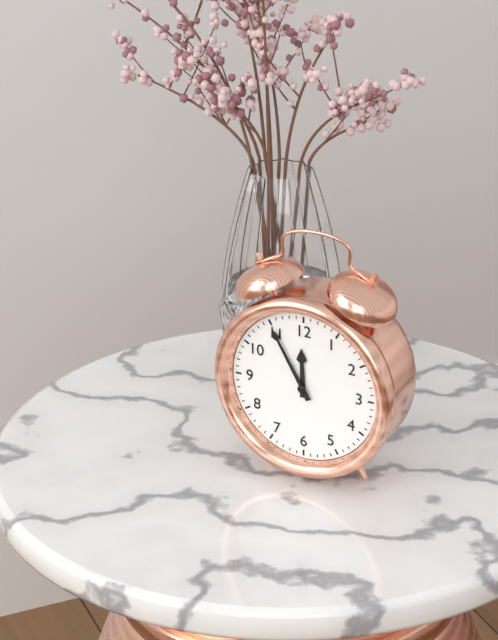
11:55
